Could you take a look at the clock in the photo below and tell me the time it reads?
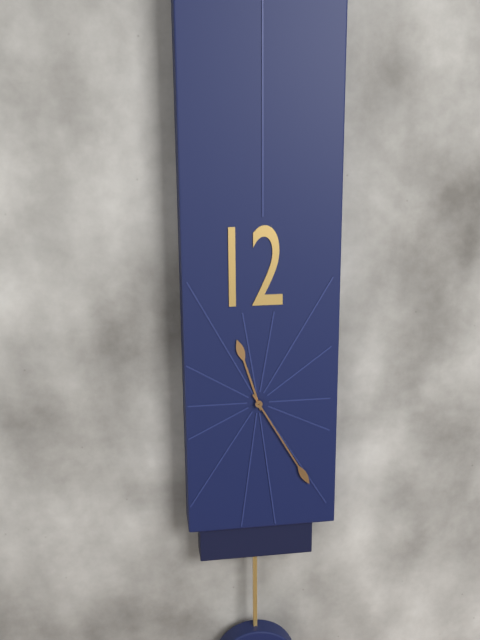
11:25
